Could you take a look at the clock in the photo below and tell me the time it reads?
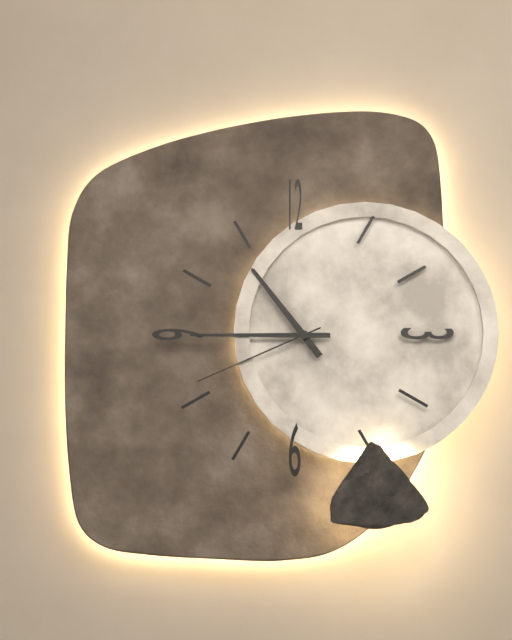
10:45:41
